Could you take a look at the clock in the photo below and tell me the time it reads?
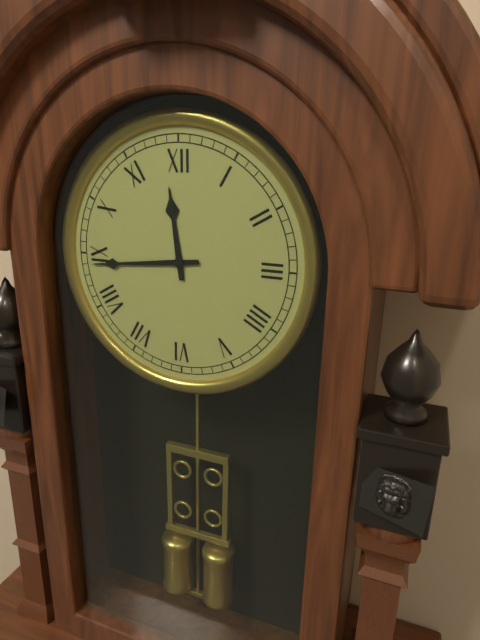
11:44
